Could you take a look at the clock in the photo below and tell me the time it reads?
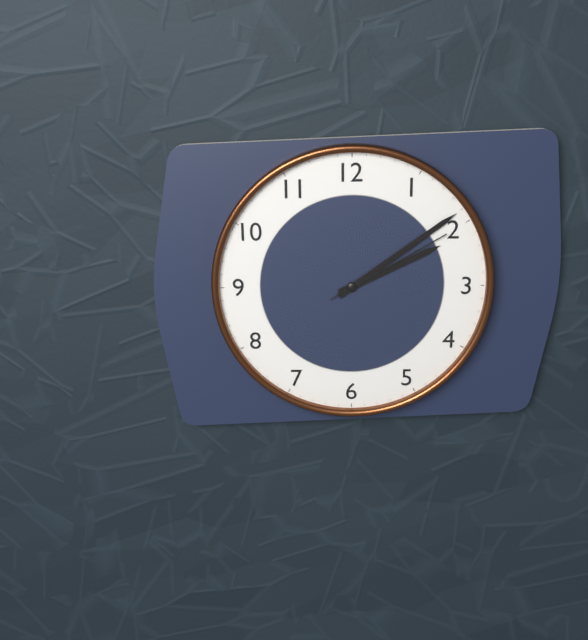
2:09:10
